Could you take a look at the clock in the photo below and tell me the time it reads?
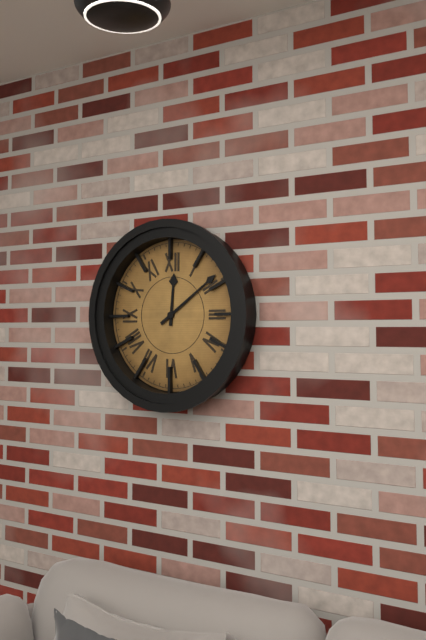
12:09
